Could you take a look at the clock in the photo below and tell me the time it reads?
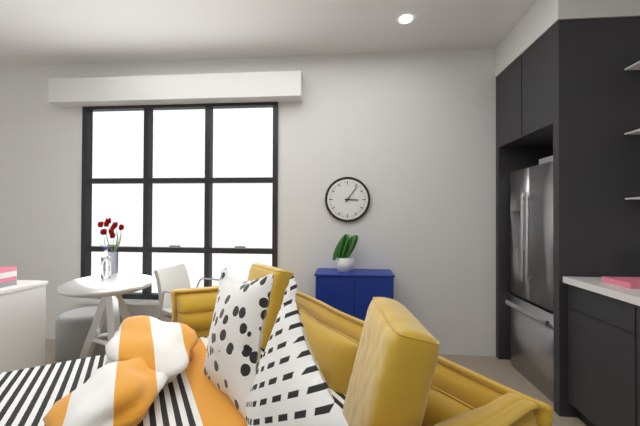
3:06
